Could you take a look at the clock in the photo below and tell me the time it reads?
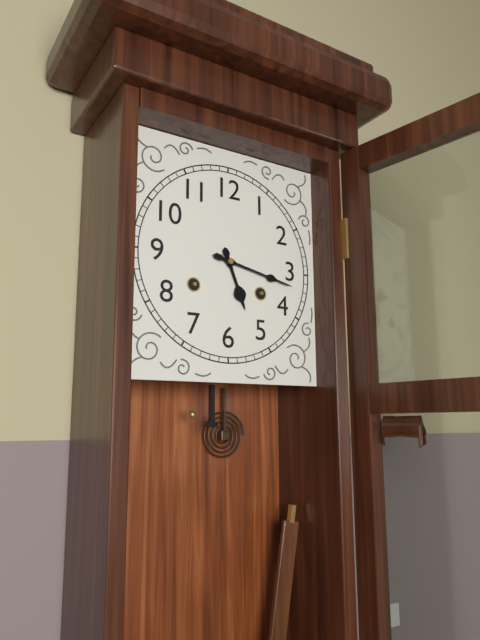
5:17
